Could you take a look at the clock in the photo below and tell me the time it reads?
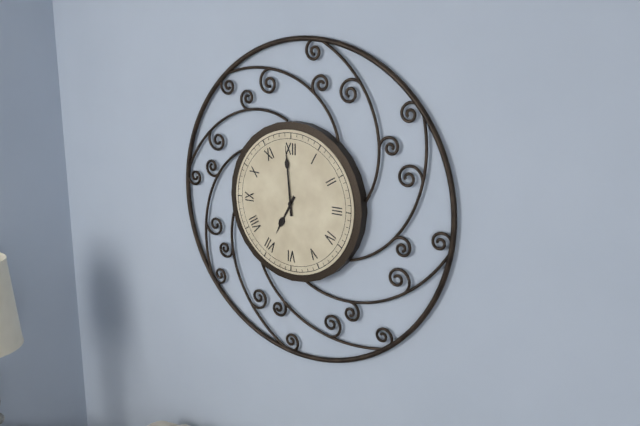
6:59
